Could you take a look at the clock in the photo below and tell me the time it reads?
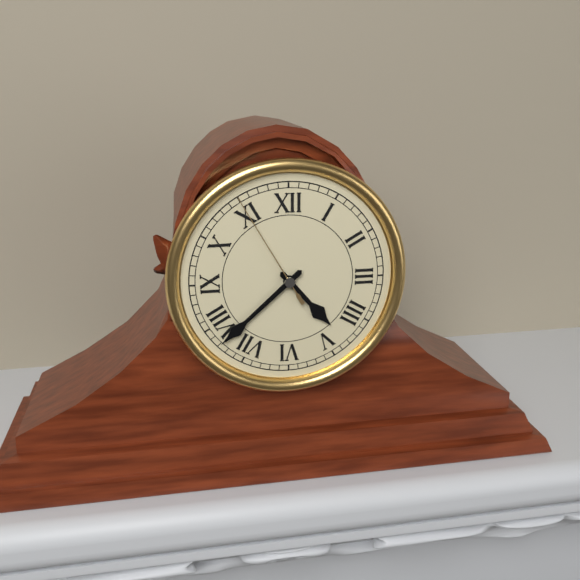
4:38:55
